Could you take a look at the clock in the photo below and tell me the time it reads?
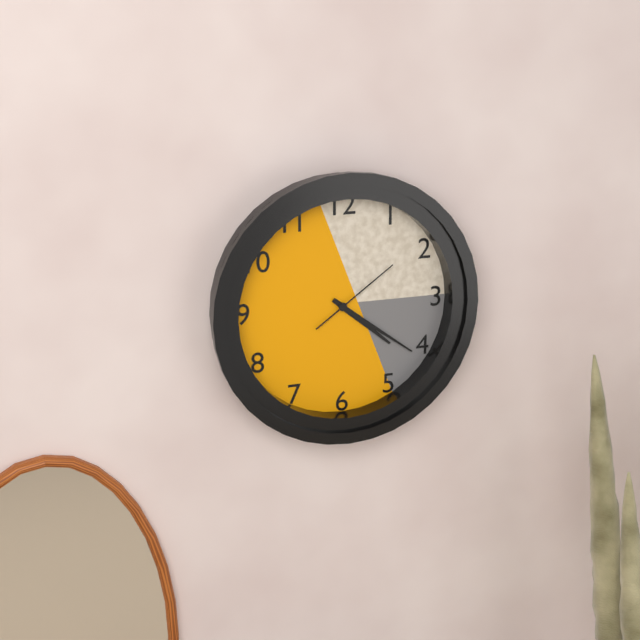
4:21:09
